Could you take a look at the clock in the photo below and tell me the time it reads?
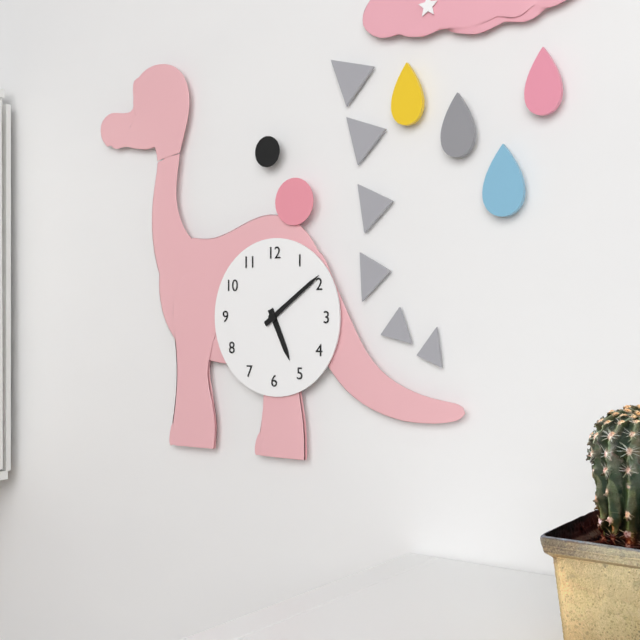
5:09
